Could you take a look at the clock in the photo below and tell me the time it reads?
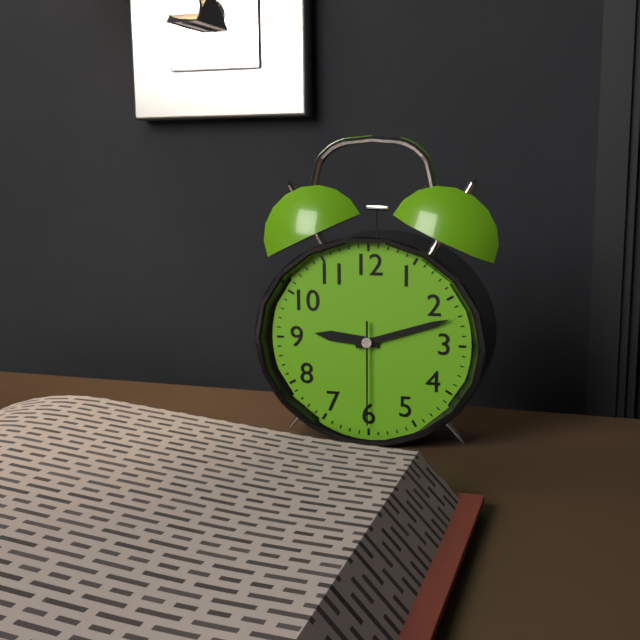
9:12:30
